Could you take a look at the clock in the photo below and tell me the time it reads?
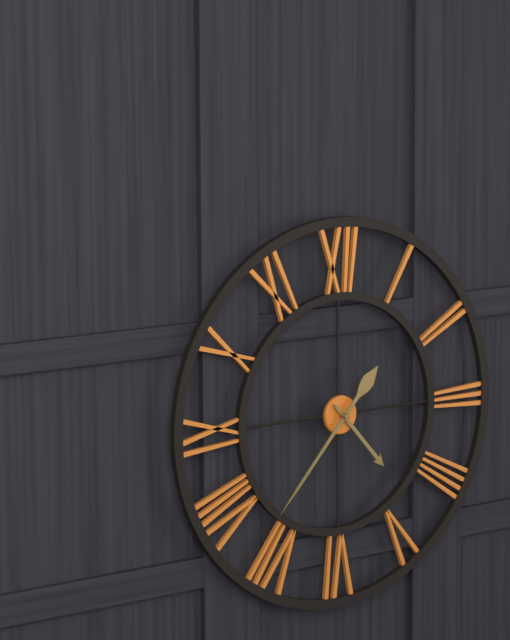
4:37
